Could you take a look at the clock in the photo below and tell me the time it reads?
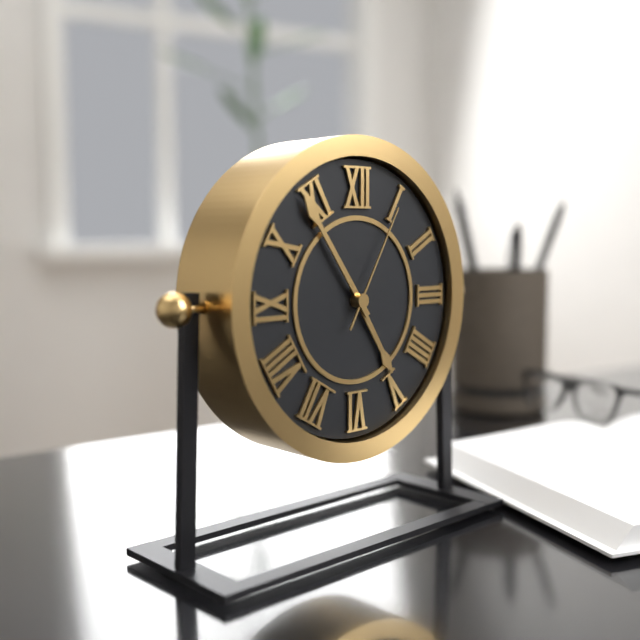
4:54:05
